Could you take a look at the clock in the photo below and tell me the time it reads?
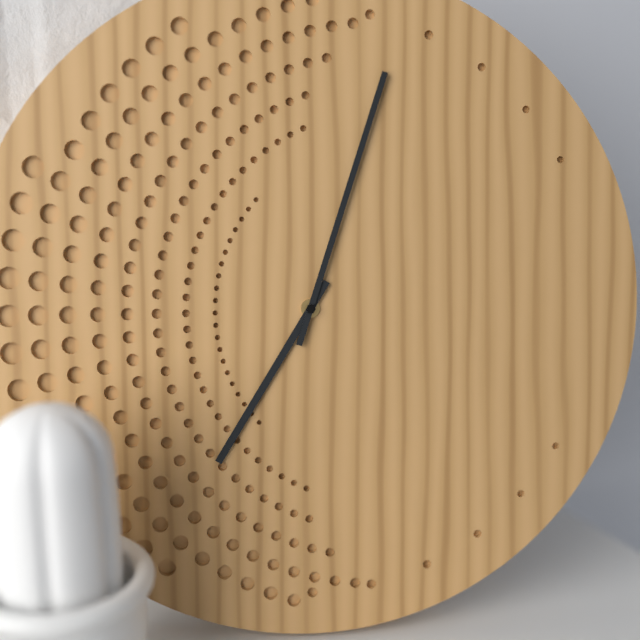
7:03
